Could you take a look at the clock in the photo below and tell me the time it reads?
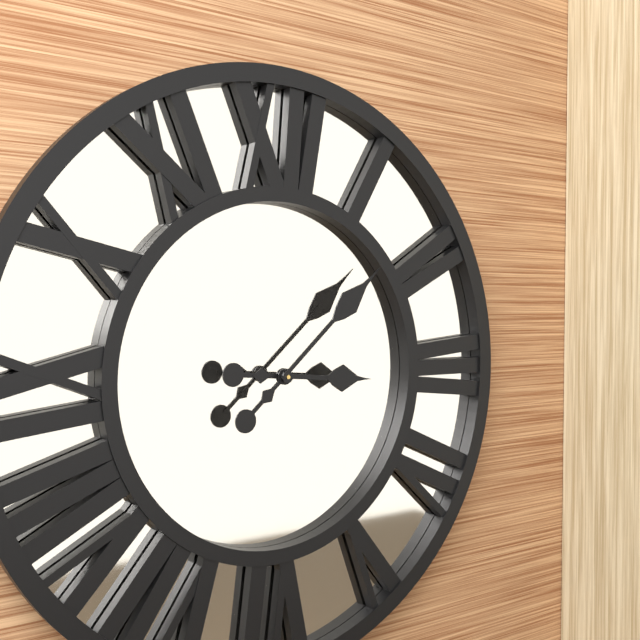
3:08
